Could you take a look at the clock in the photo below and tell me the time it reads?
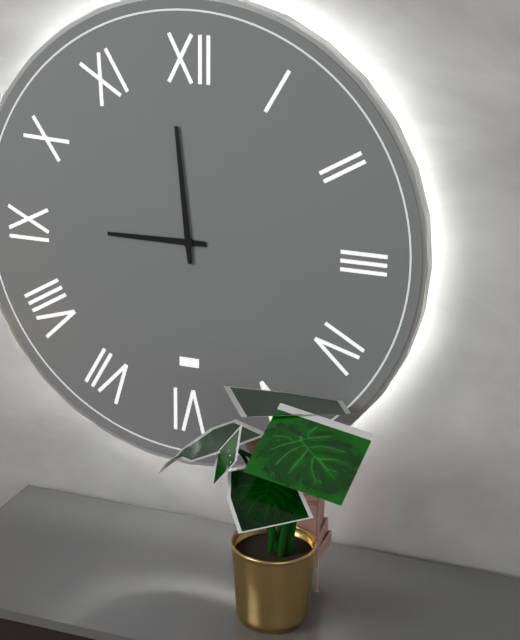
8:59
